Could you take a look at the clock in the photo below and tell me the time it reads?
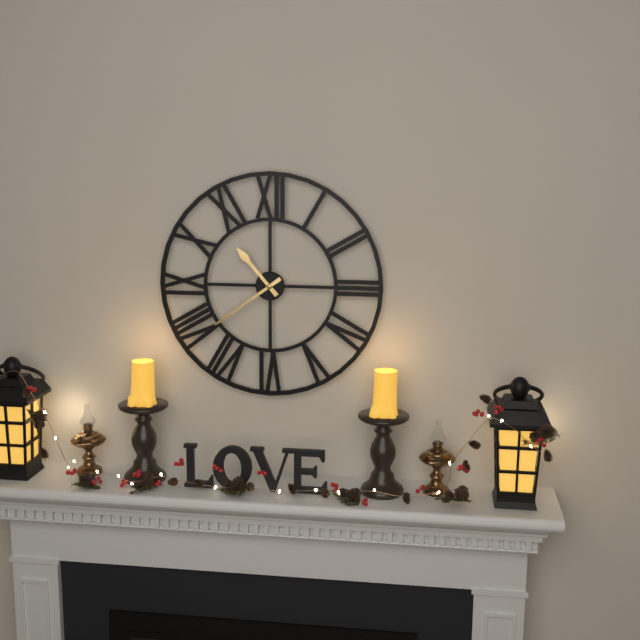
10:39
